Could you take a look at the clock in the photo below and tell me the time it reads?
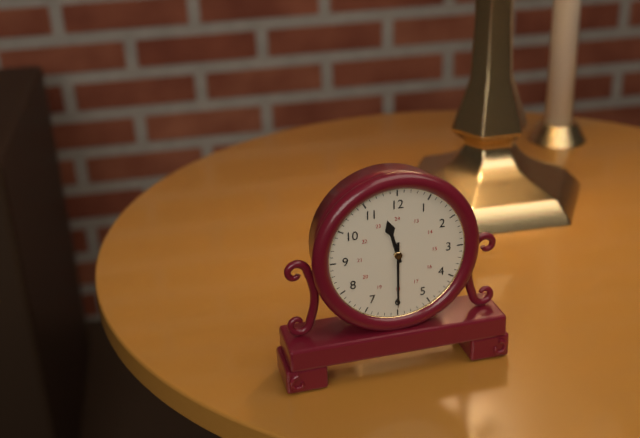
11:30
